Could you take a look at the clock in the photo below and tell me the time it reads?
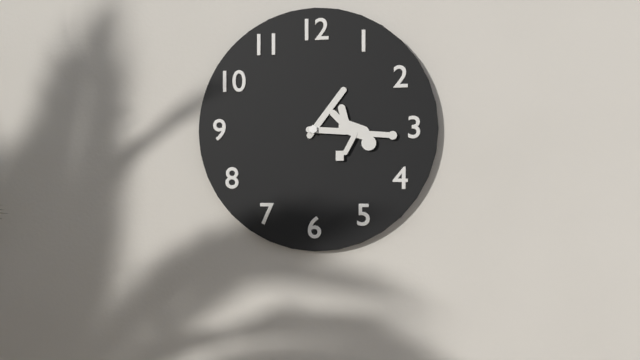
1:15
